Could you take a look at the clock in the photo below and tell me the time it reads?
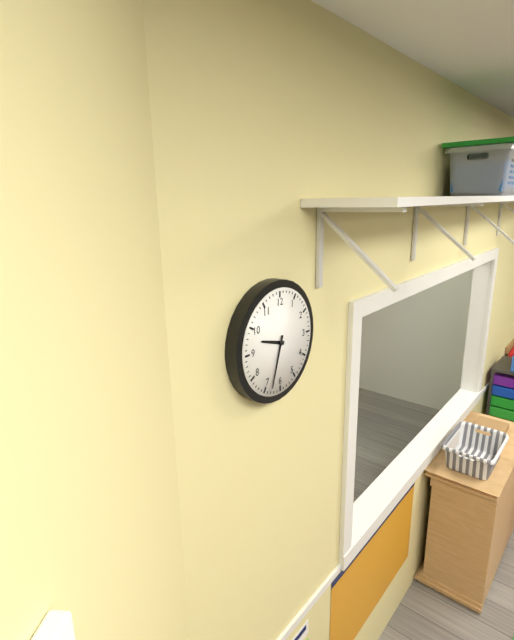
9:33
